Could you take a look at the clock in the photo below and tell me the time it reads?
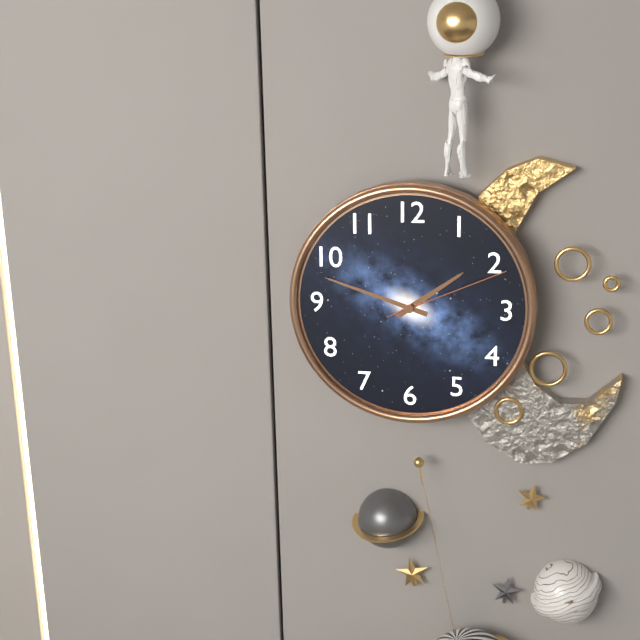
1:48:11
